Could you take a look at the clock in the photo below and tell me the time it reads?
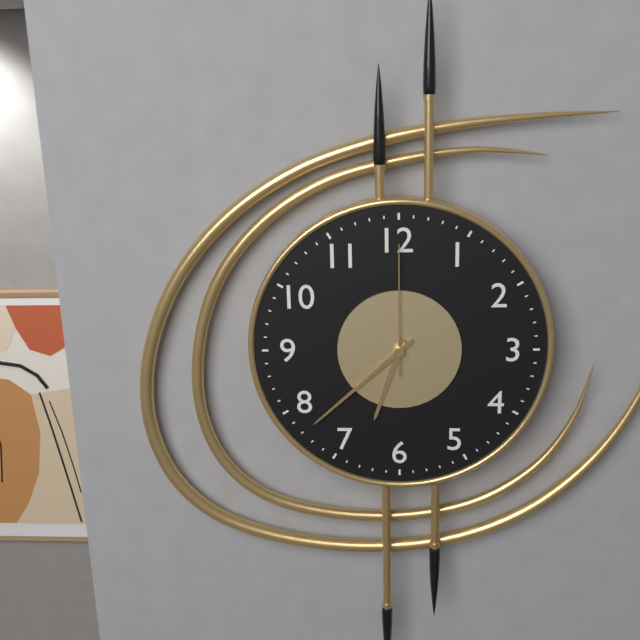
6:38:00
